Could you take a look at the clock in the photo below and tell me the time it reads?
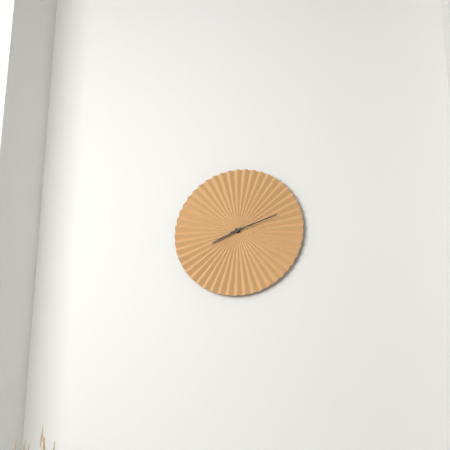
8:12
